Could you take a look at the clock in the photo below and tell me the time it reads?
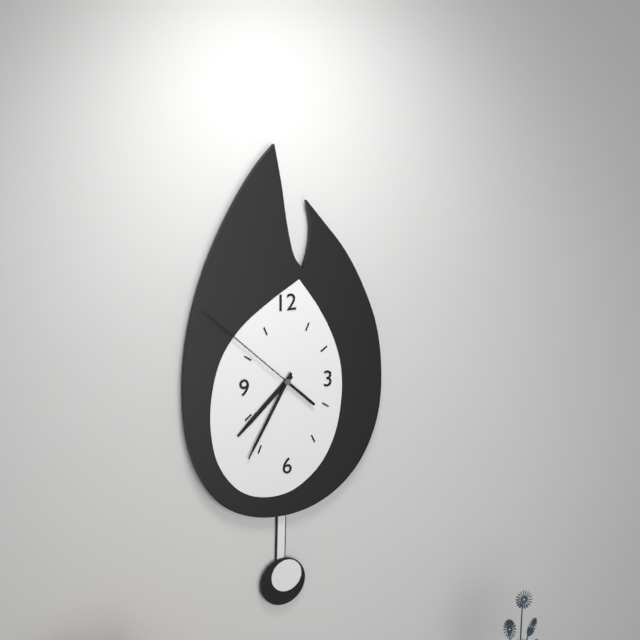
7:35:52
